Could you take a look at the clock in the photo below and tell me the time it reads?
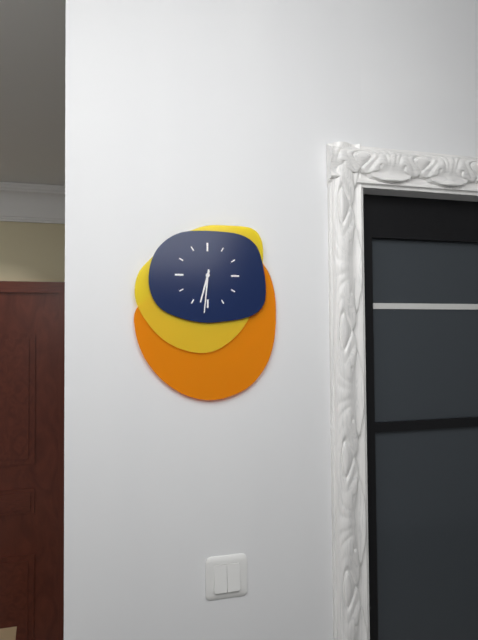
6:31
